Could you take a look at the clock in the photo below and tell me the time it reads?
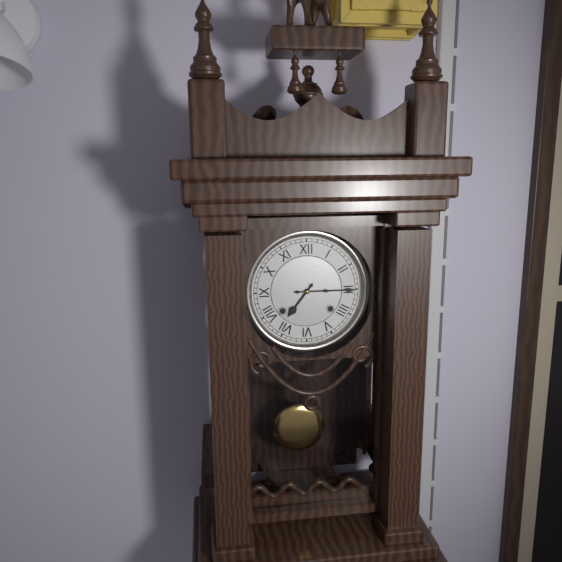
7:15
